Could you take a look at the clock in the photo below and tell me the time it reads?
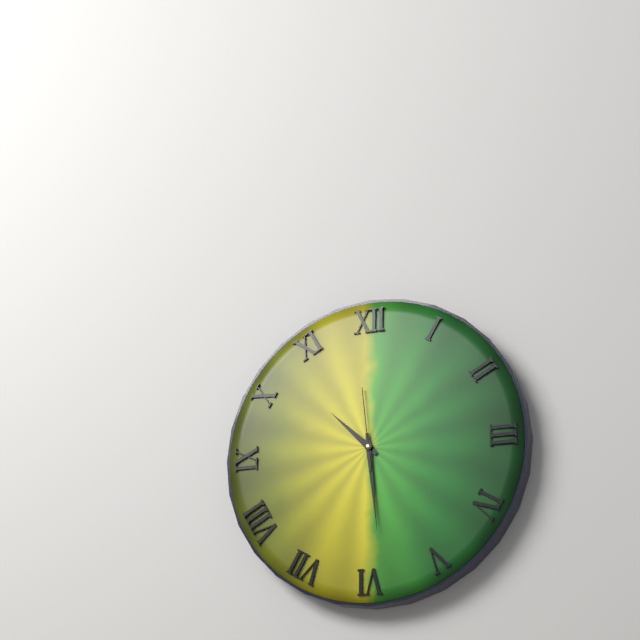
10:29:59
